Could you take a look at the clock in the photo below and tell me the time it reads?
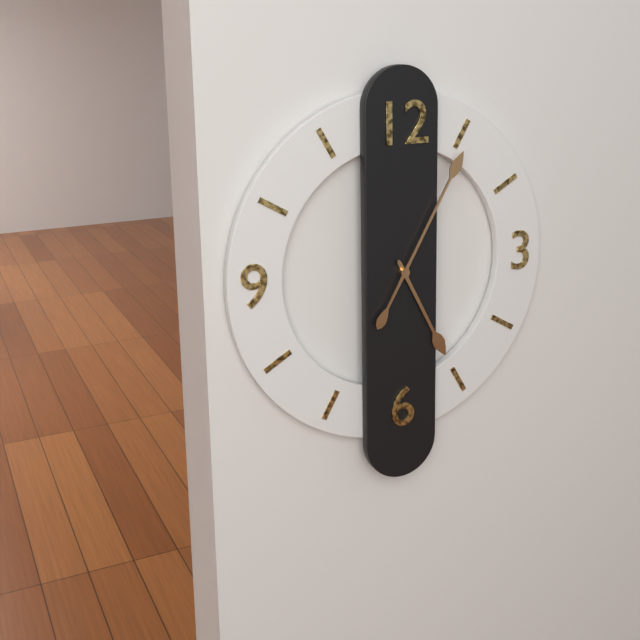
5:05
